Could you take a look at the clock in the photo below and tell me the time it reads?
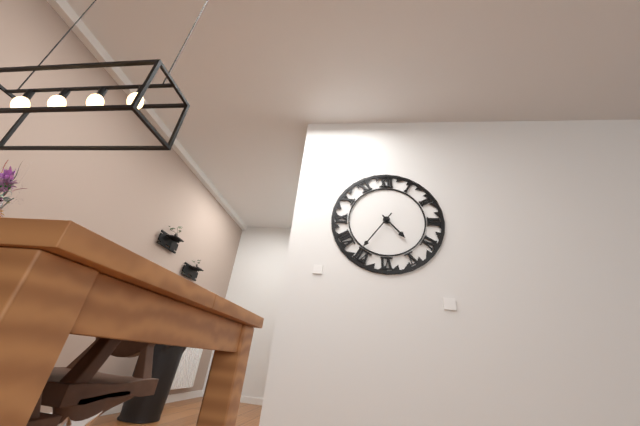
4:36
